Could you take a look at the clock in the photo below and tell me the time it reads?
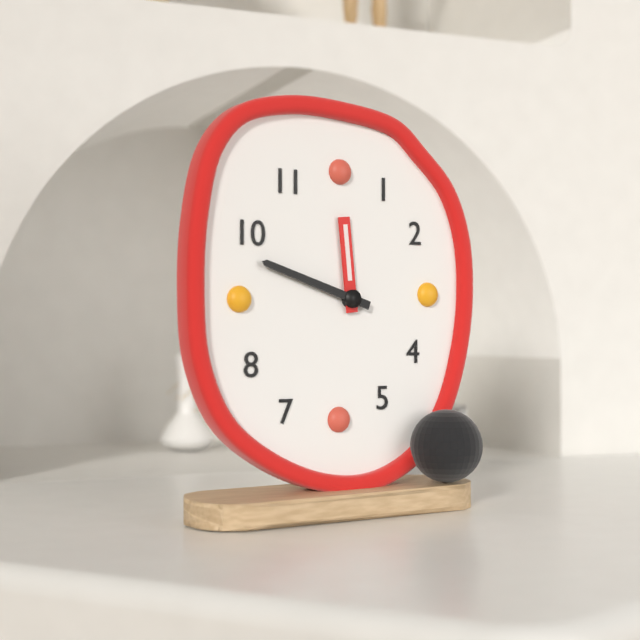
11:48
